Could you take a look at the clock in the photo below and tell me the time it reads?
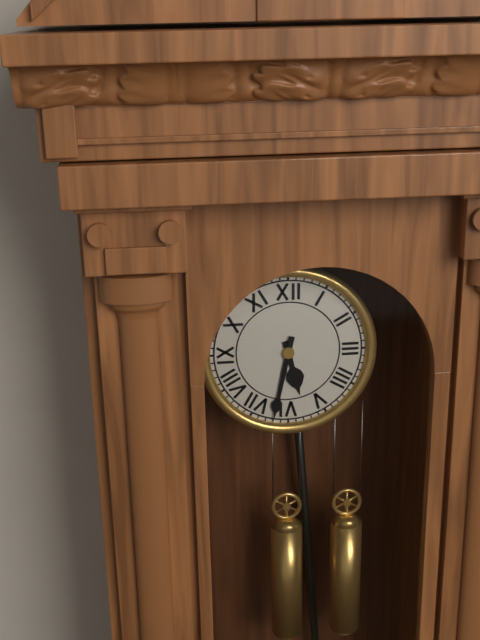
5:32
